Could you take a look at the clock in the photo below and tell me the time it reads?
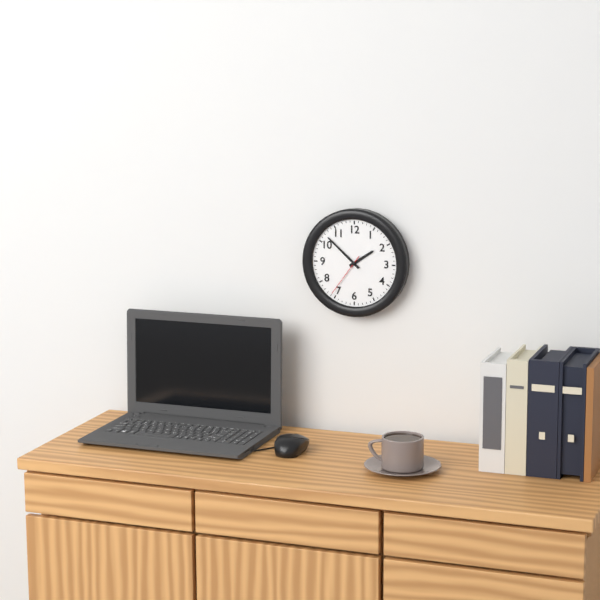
1:52
